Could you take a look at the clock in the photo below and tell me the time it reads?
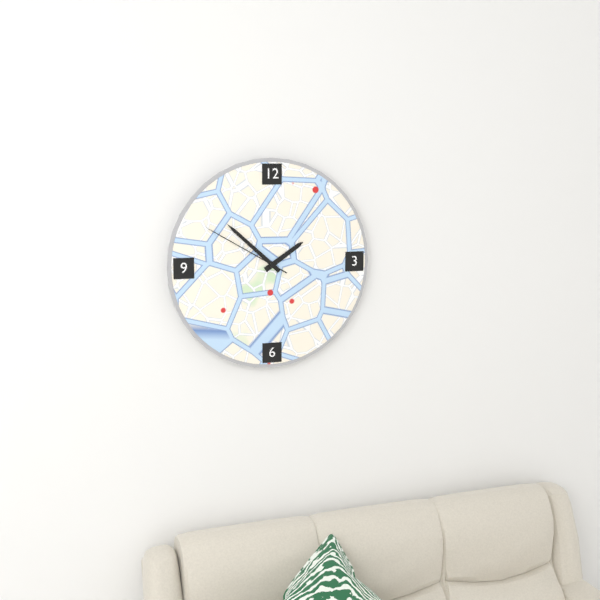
1:52:50
